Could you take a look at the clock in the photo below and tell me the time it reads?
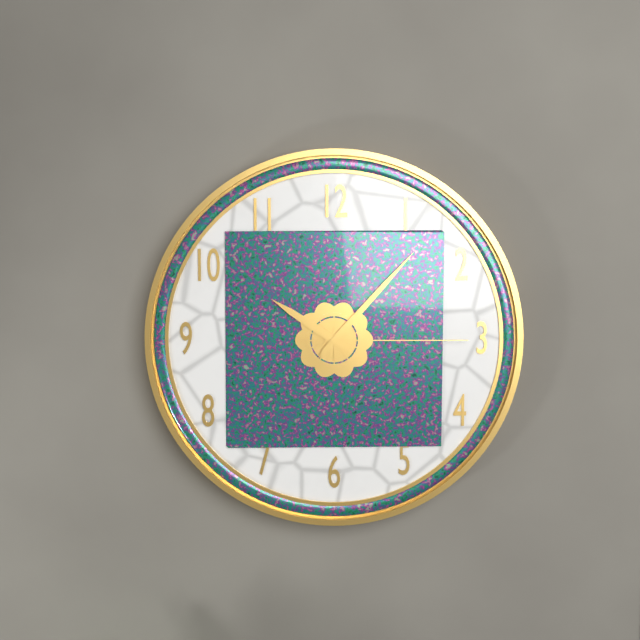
10:07:15
